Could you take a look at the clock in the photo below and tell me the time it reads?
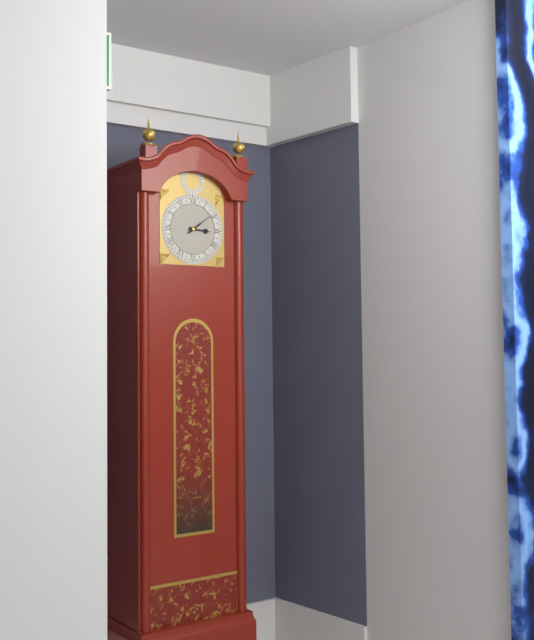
3:09
